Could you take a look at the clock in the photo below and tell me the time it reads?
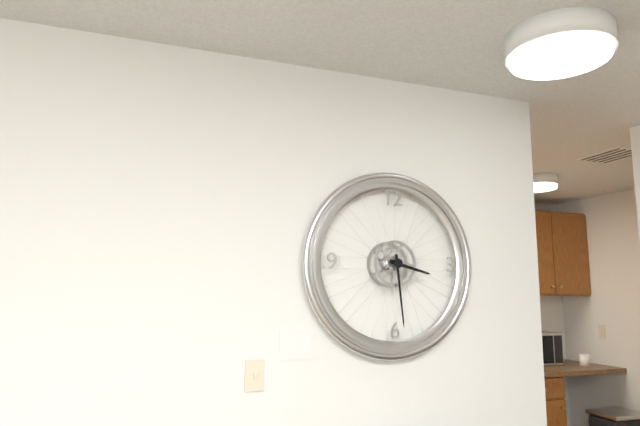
3:29
